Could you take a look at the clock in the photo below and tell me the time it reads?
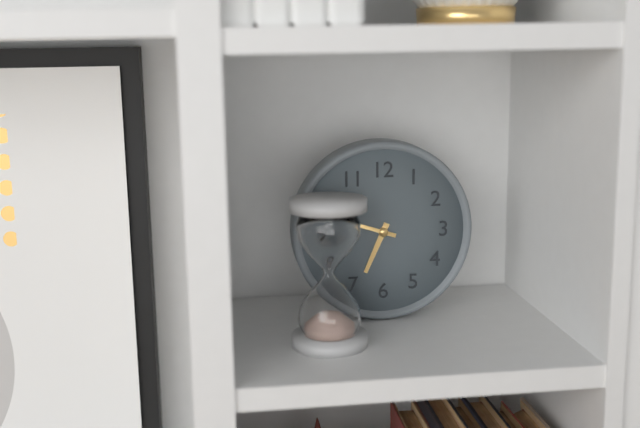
6:48
